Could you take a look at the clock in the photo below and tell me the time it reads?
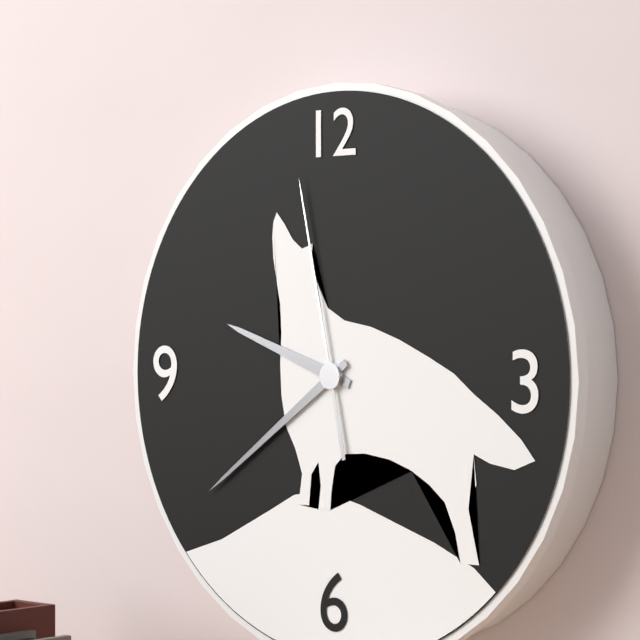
9:39:58
